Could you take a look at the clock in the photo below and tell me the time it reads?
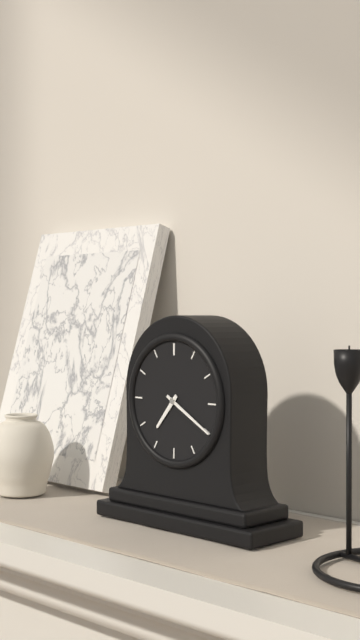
7:20
